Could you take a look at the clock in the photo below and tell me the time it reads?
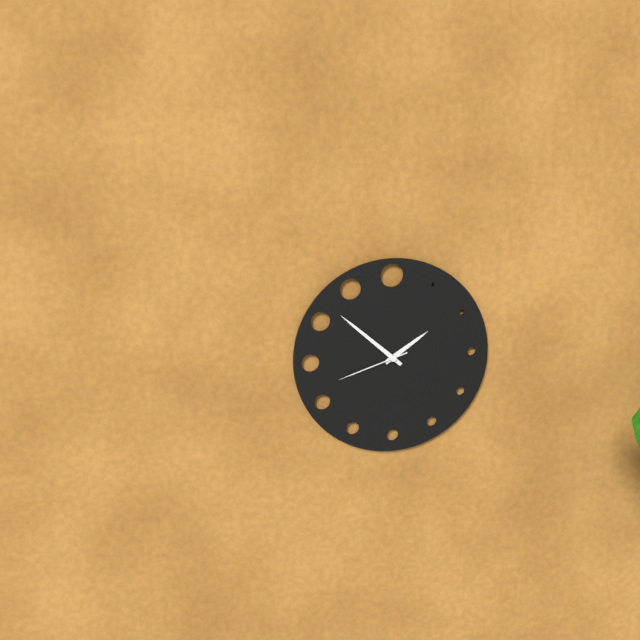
1:52:42
